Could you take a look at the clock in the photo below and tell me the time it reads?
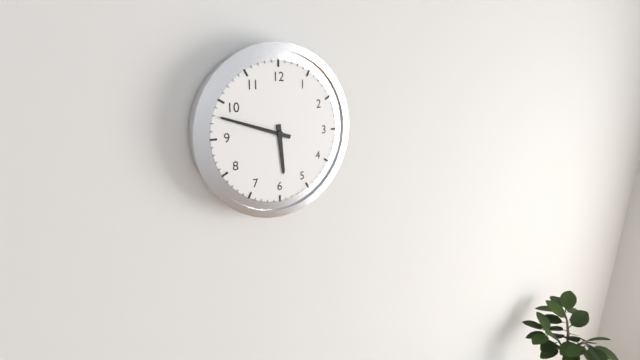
5:48
